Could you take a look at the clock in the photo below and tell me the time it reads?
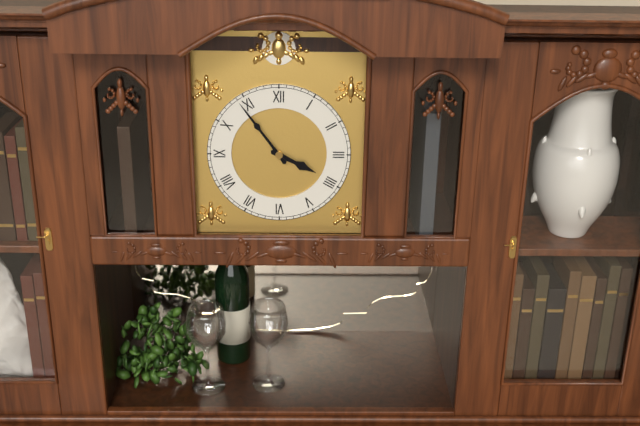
3:54
